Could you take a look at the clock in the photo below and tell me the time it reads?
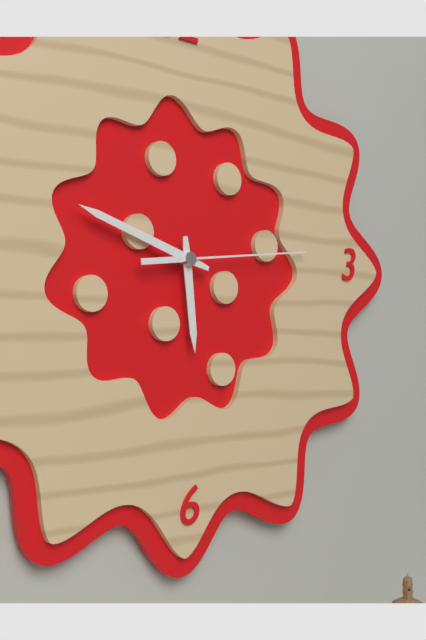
5:48:14
